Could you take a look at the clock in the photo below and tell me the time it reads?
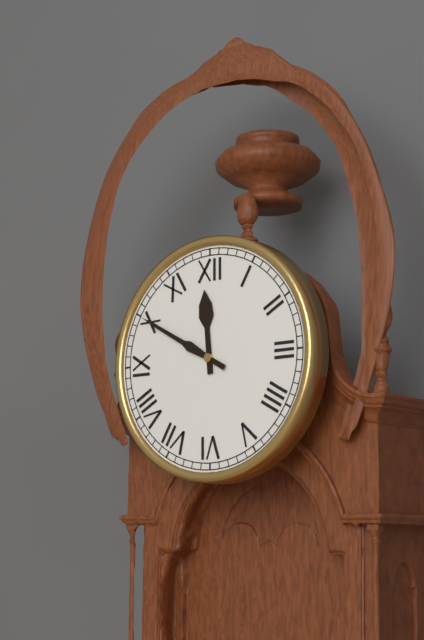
11:50
